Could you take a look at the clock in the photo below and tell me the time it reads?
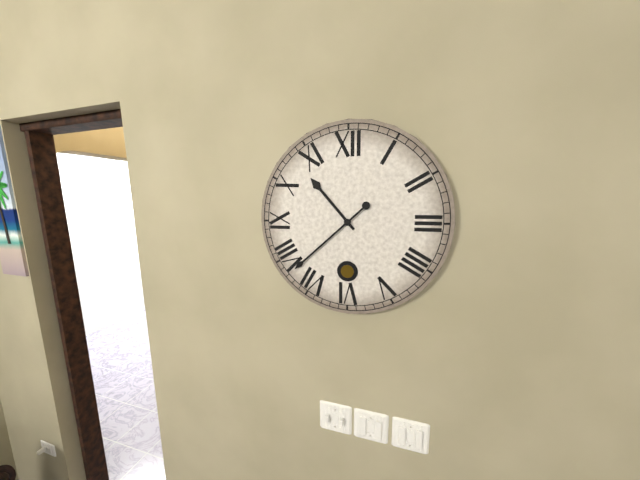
10:38
